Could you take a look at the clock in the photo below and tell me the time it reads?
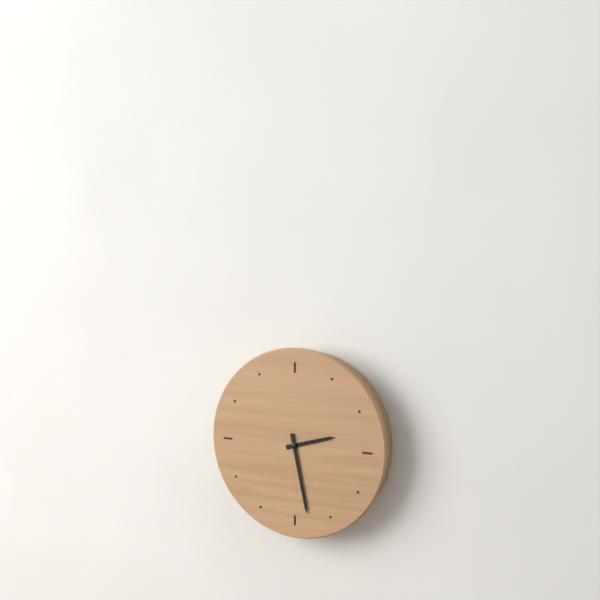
2:28
